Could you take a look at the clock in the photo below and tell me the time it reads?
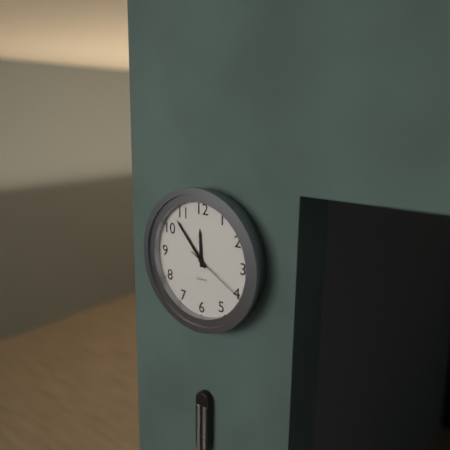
11:53:20
